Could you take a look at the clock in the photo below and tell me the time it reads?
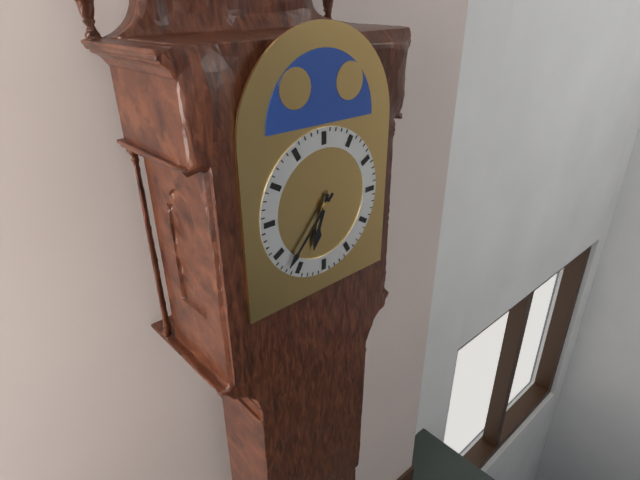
6:37
